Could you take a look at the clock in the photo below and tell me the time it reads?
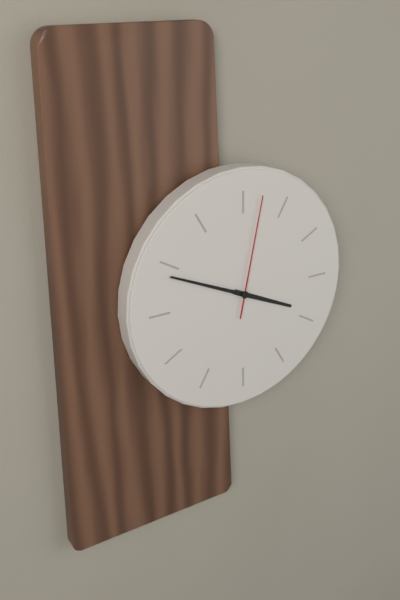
3:49:02
